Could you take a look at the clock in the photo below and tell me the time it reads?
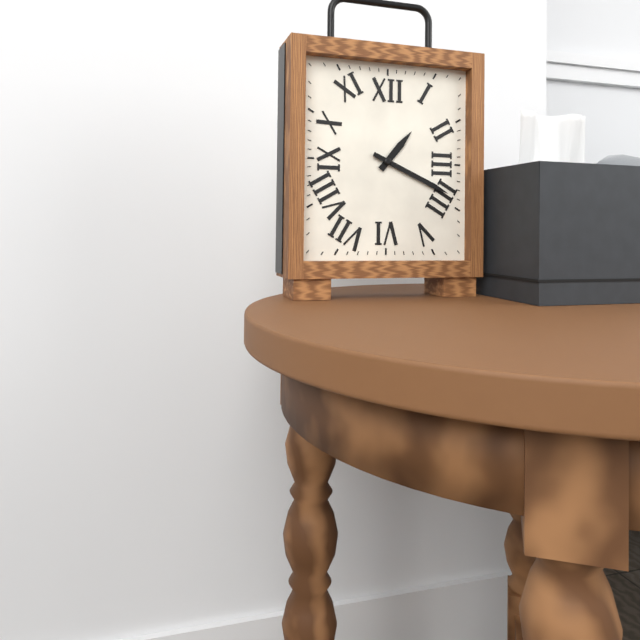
1:19
